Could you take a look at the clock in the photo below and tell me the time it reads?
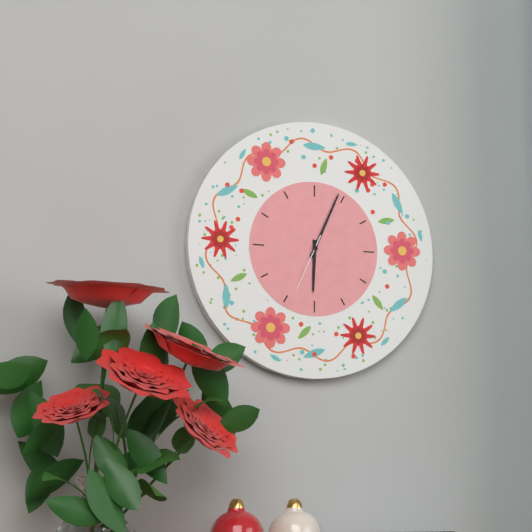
6:04:34
